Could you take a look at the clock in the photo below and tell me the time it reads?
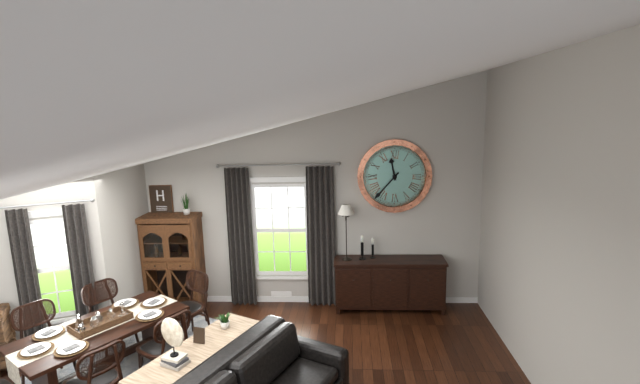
11:37
